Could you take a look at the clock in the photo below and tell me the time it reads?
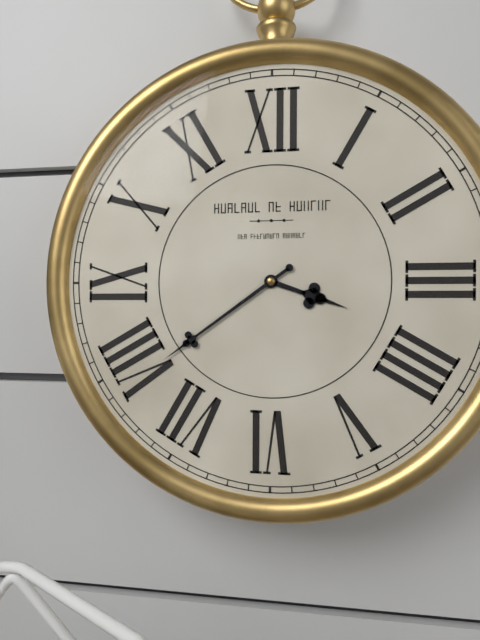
3:39
